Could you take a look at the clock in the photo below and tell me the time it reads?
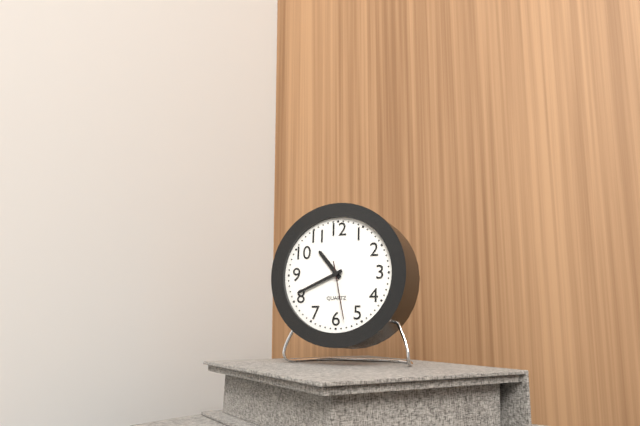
10:41:28
